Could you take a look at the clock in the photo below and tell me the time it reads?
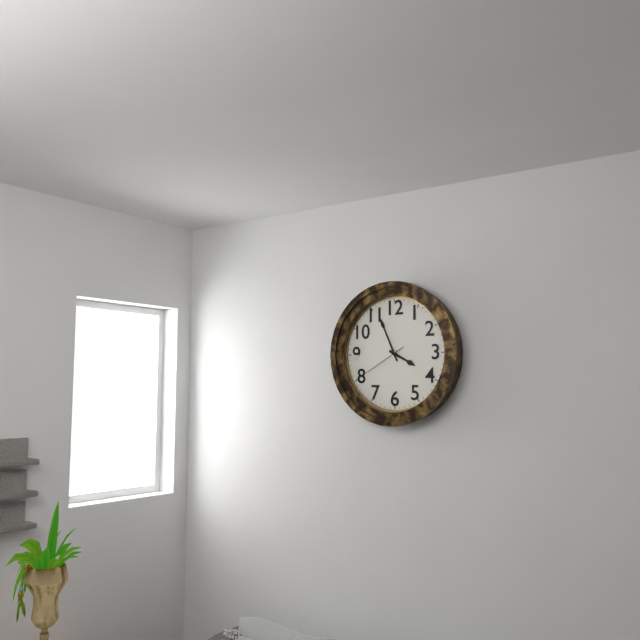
3:56:40
